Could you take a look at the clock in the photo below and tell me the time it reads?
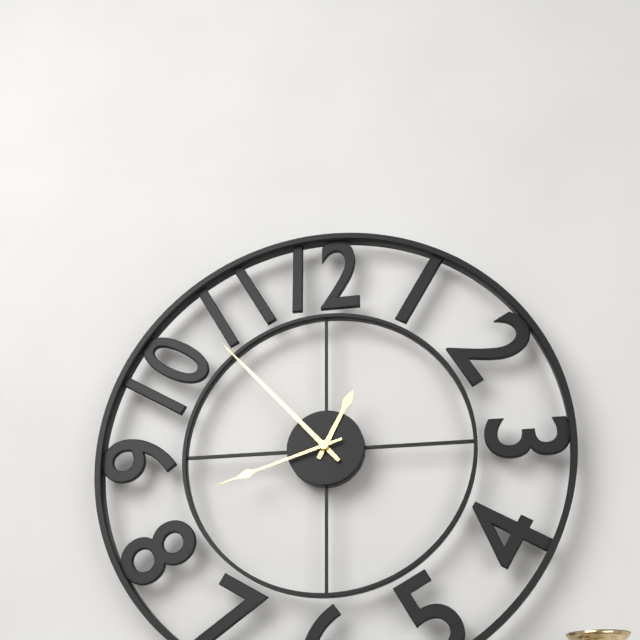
12:53:42
